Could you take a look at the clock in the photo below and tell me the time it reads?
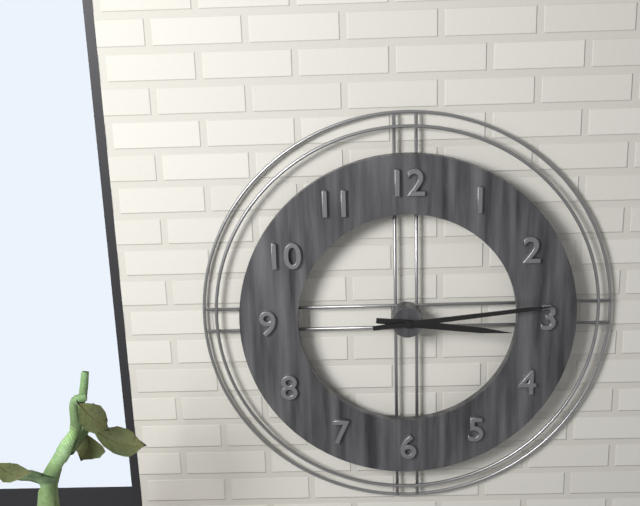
3:14
